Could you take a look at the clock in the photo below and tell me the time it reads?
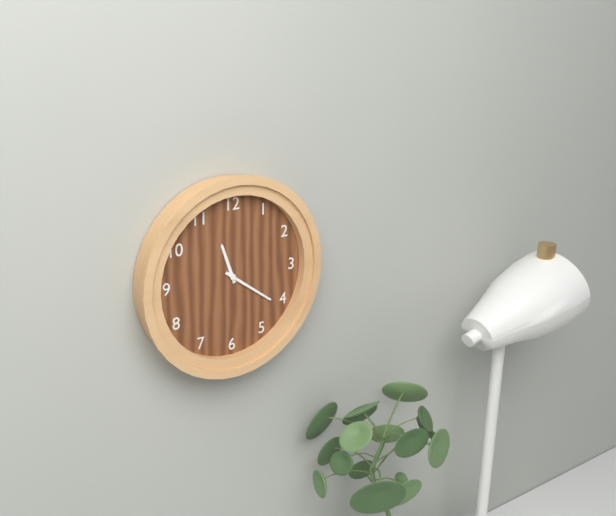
11:21
